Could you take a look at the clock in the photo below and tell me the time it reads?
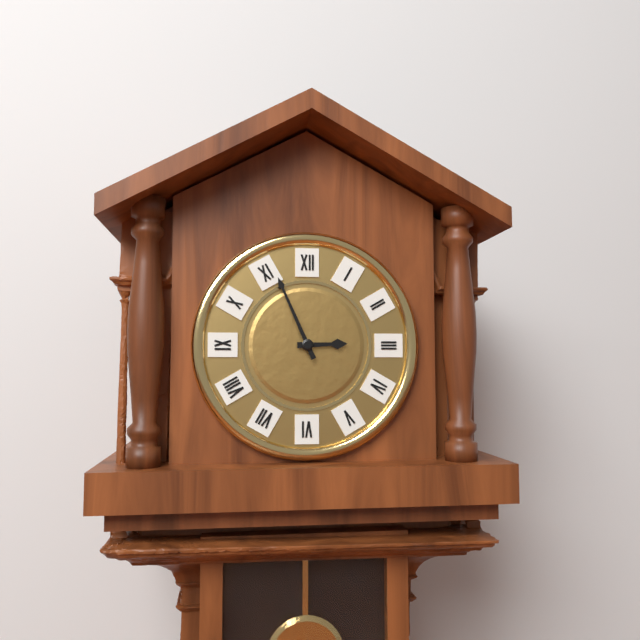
2:56
